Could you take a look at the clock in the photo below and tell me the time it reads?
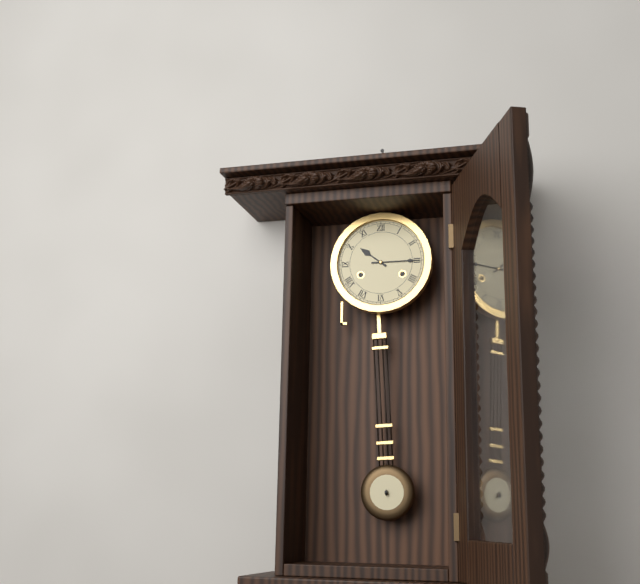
10:15
